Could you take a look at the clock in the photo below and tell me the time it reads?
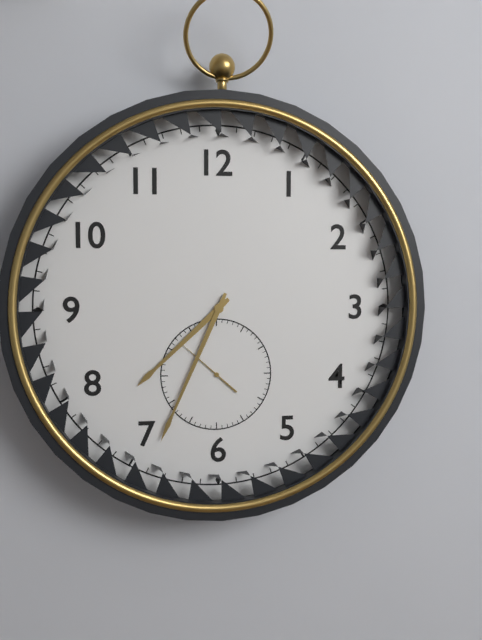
7:34:52
